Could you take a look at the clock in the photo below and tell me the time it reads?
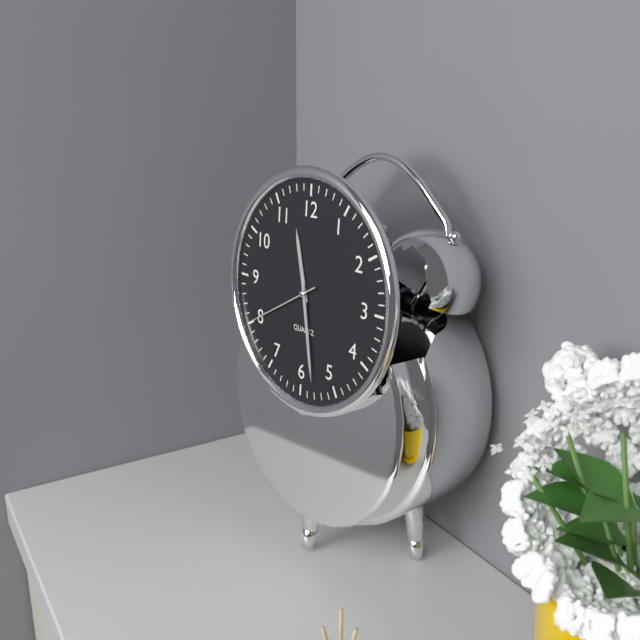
11:28:40
